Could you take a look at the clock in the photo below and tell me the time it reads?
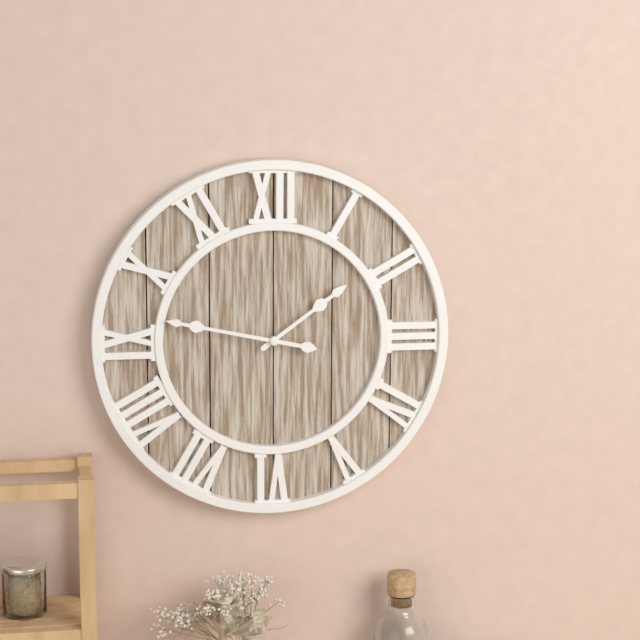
1:47
